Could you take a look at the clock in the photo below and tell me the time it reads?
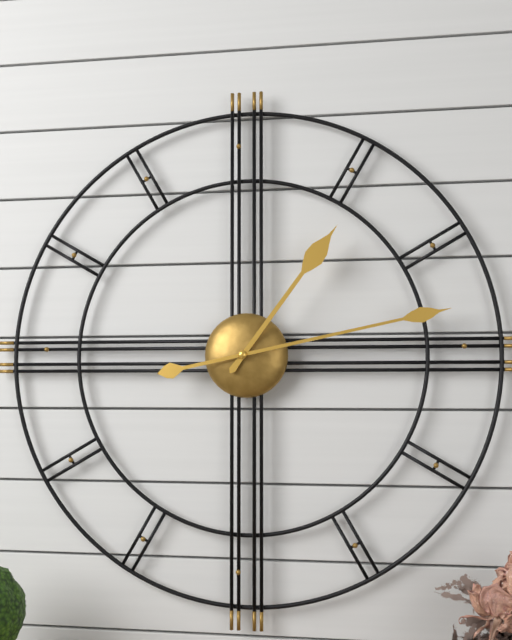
1:13
